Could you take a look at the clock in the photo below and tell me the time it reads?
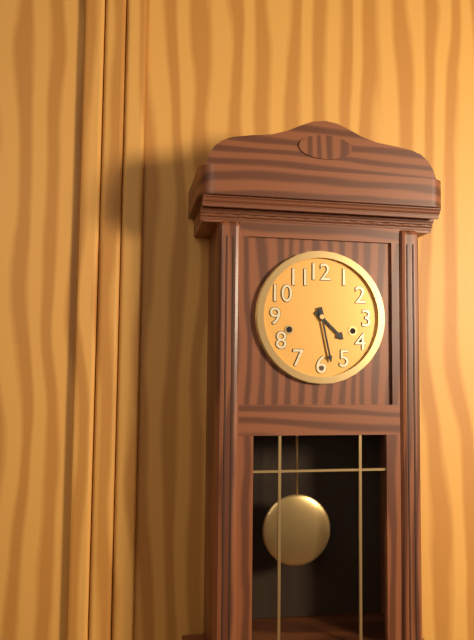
4:28
